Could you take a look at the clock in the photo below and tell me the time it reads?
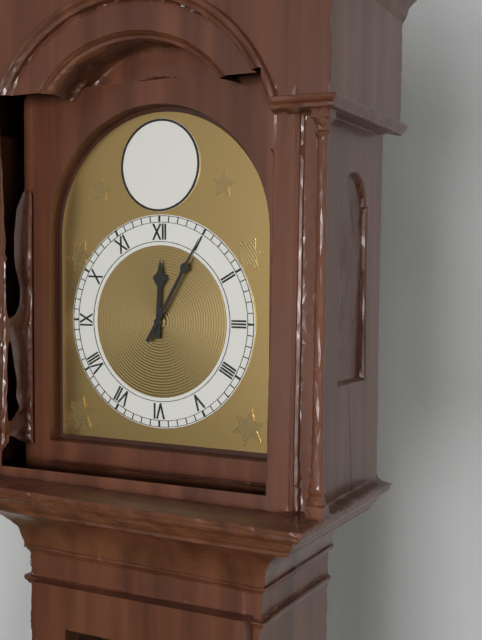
12:05
